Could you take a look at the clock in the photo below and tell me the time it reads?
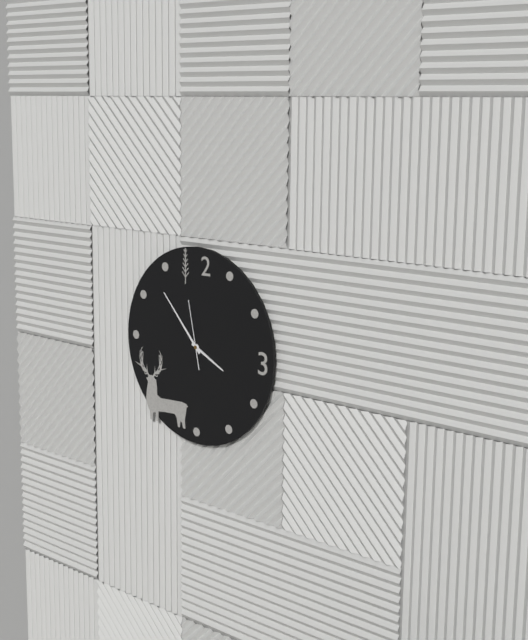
3:53:58
